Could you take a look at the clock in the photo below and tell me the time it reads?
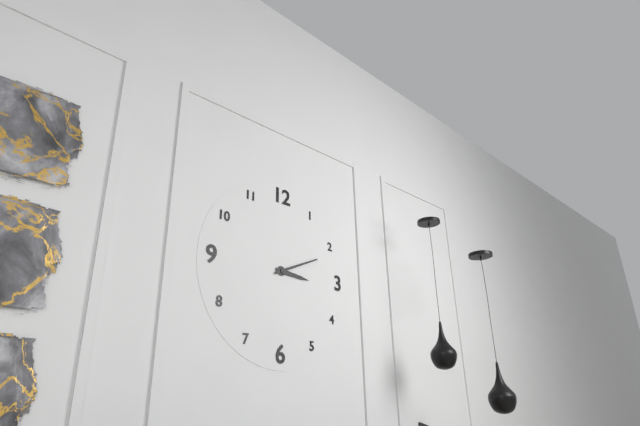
3:11
